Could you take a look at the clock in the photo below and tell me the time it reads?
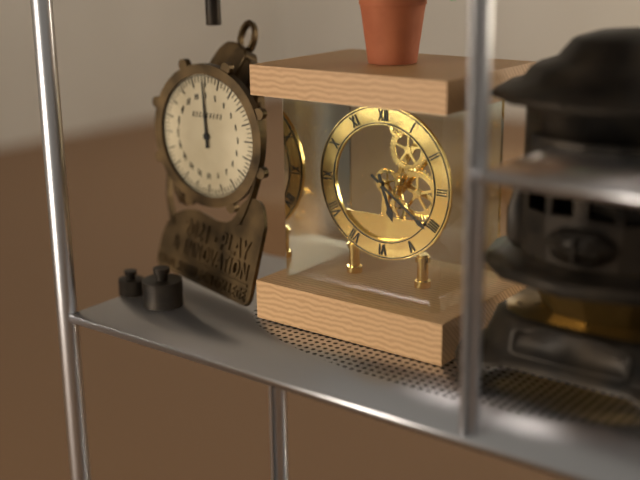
5:21
